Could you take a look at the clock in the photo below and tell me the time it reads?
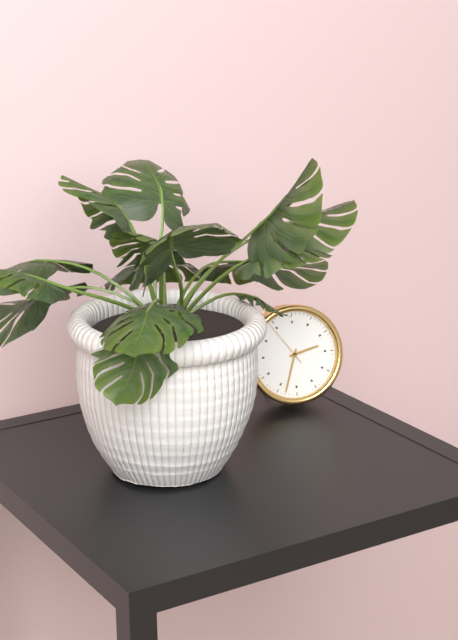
2:33
